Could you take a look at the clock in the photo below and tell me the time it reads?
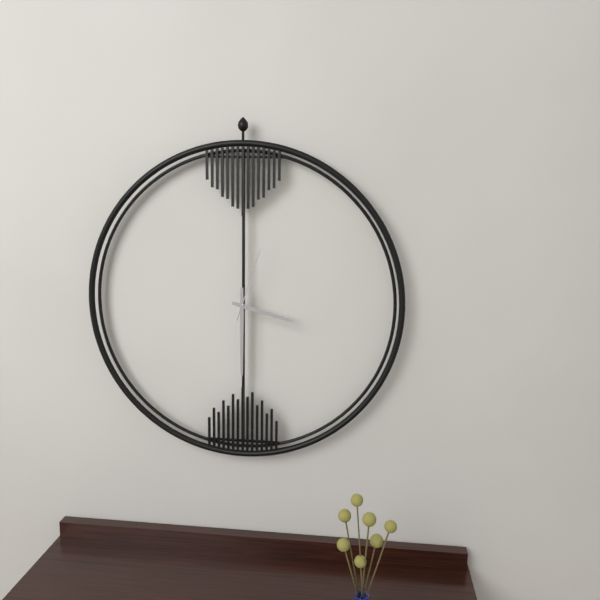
3:30:03
